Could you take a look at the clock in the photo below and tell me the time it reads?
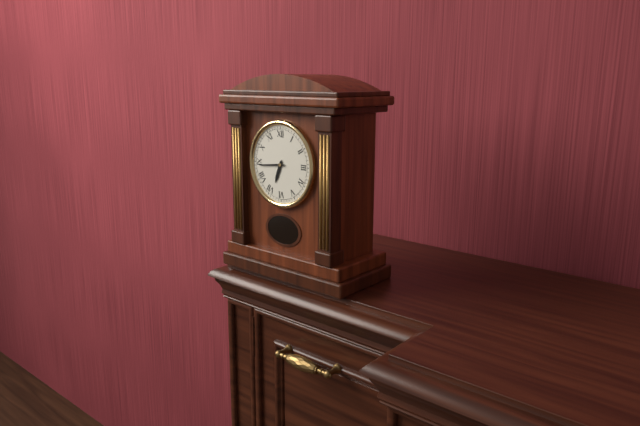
6:44
